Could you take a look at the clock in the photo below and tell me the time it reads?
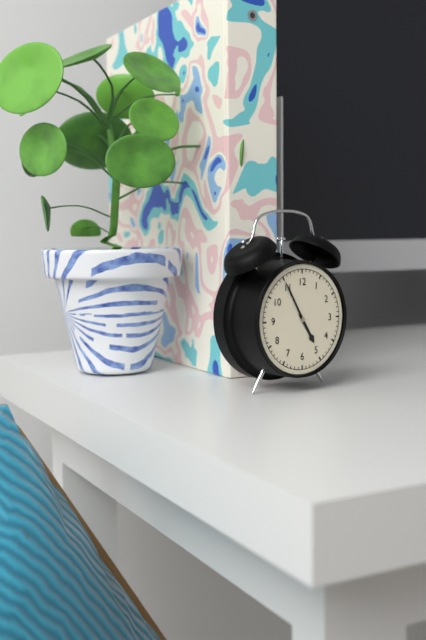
4:55
